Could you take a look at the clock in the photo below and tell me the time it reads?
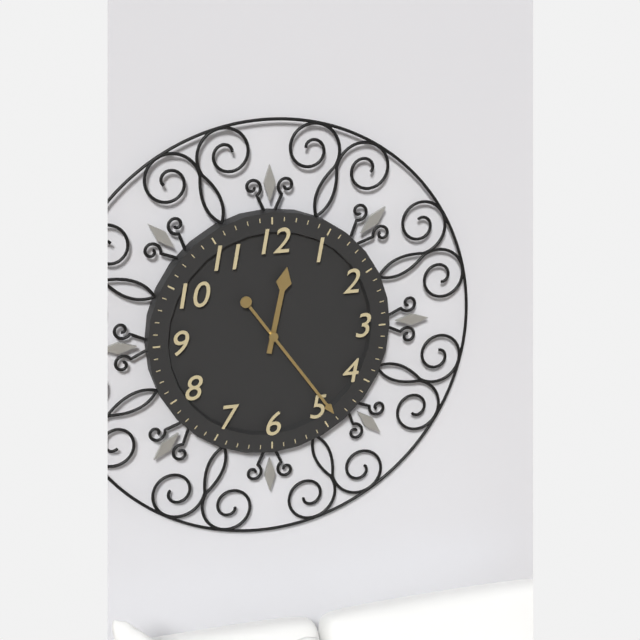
12:24
